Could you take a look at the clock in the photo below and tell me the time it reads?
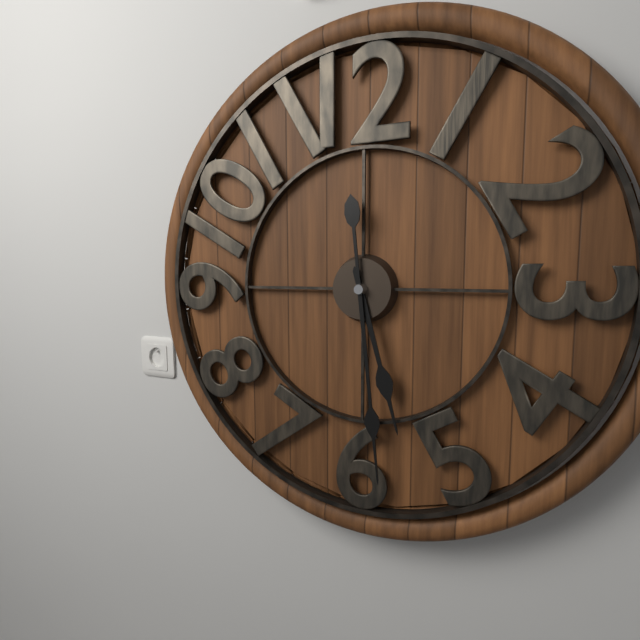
5:29
